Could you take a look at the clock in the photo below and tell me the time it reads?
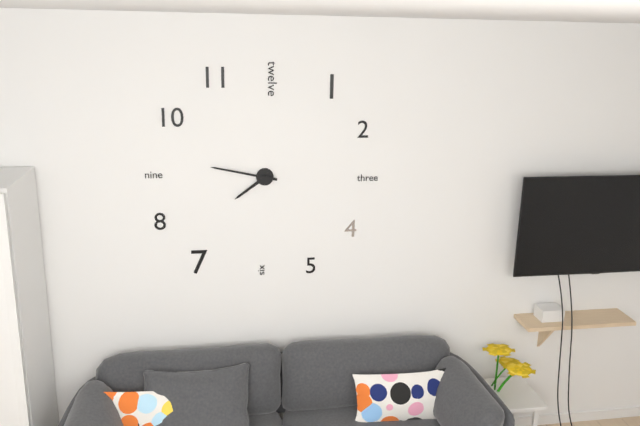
7:47
